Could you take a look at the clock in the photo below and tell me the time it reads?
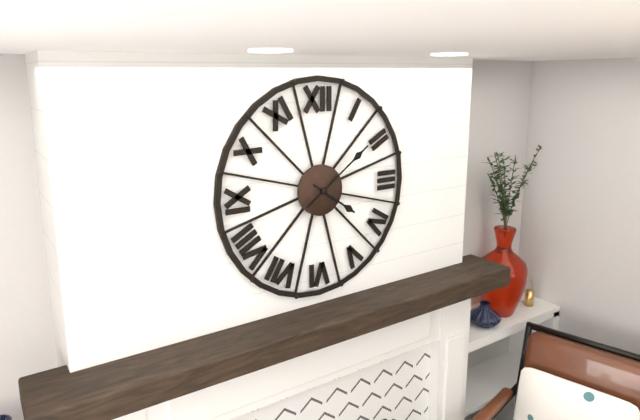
4:09
